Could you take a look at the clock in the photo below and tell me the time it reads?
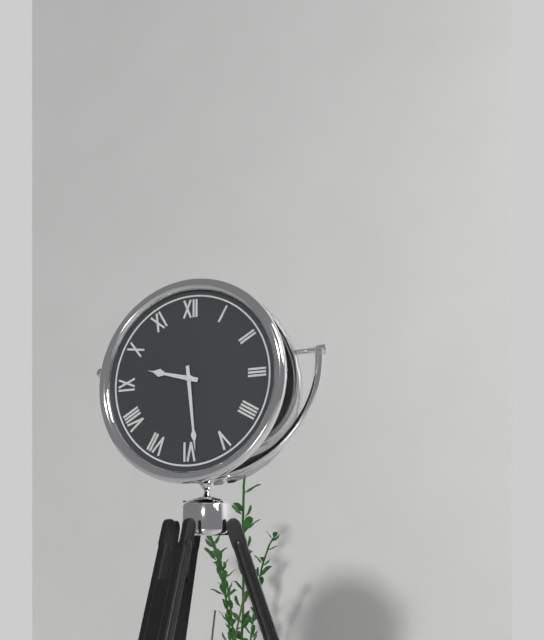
9:29
